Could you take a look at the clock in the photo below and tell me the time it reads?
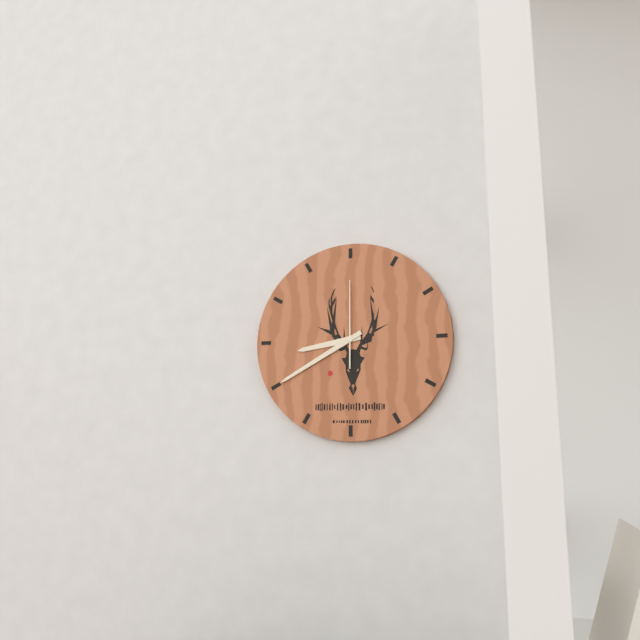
8:40:00
